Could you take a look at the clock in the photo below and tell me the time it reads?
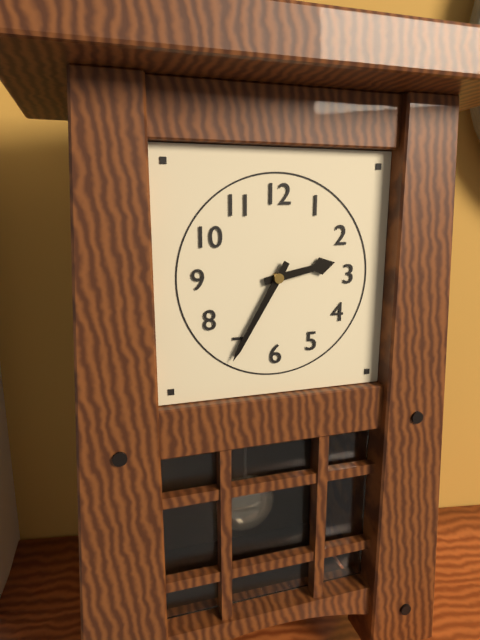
2:35
